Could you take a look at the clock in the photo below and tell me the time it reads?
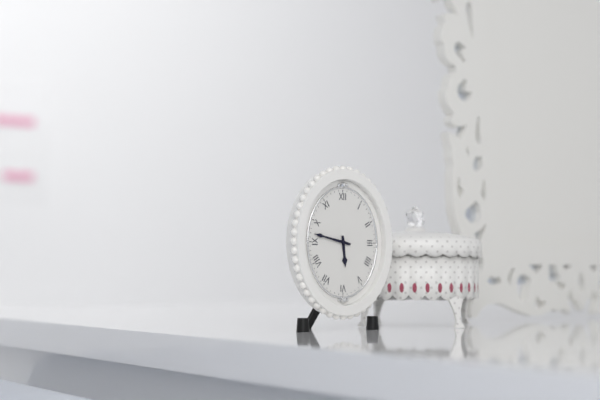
5:47
